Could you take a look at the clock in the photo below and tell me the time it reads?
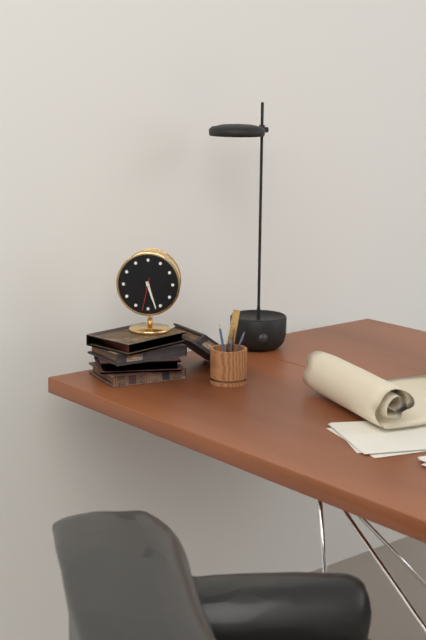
5:27
